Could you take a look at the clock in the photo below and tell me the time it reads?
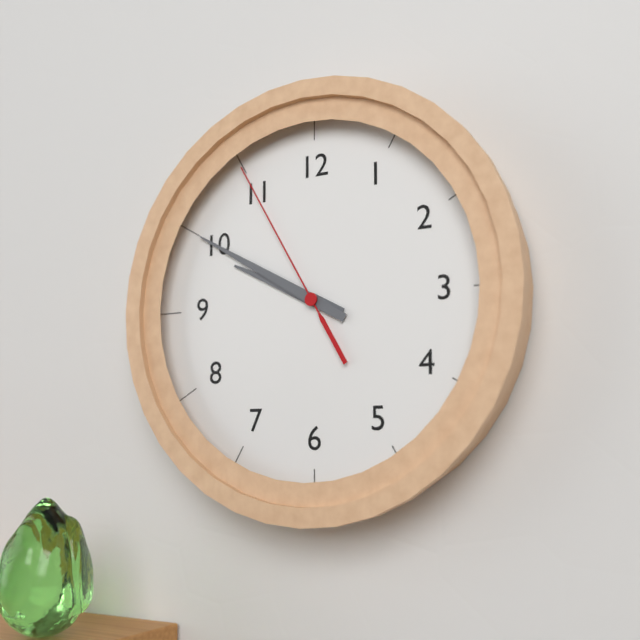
9:50:55
